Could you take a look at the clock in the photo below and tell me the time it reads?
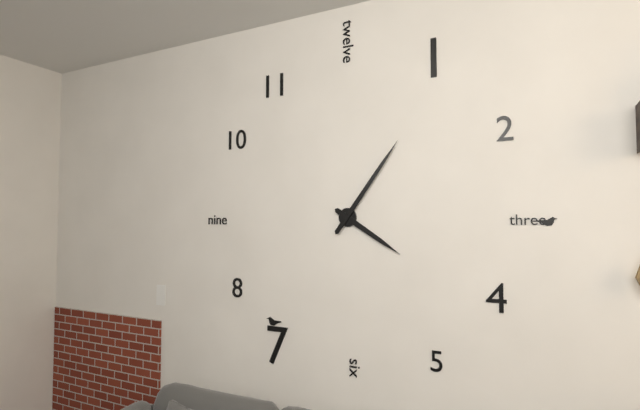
4:06
